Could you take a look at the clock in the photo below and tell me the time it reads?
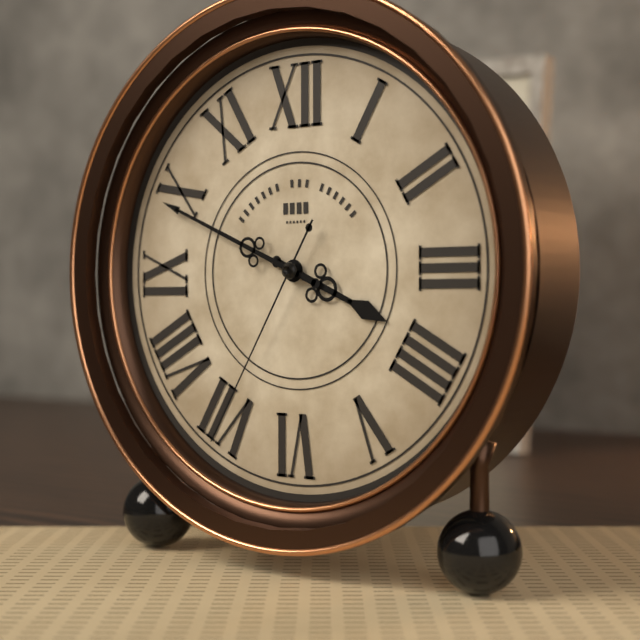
3:49:35
